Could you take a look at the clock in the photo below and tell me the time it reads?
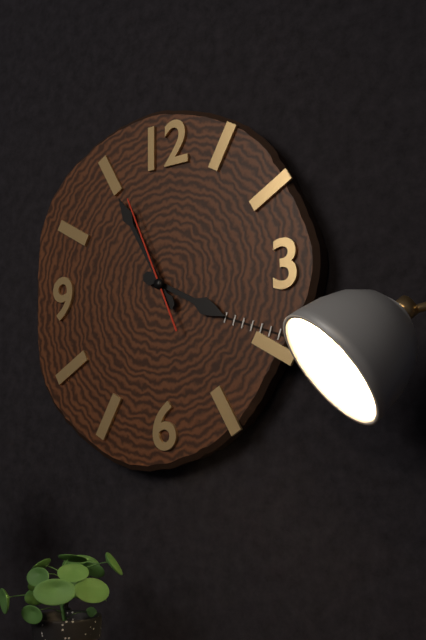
3:55:56
